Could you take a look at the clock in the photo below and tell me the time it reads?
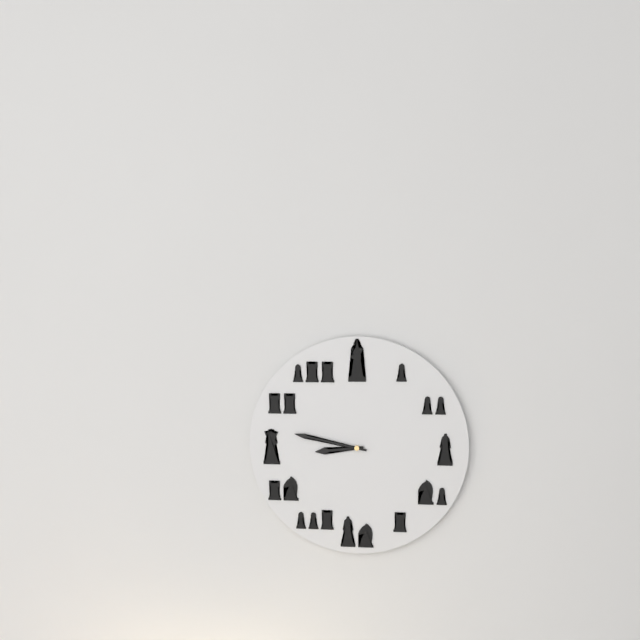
8:47
